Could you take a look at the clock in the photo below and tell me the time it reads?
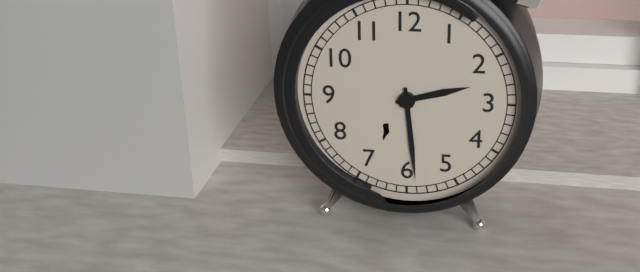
2:29
